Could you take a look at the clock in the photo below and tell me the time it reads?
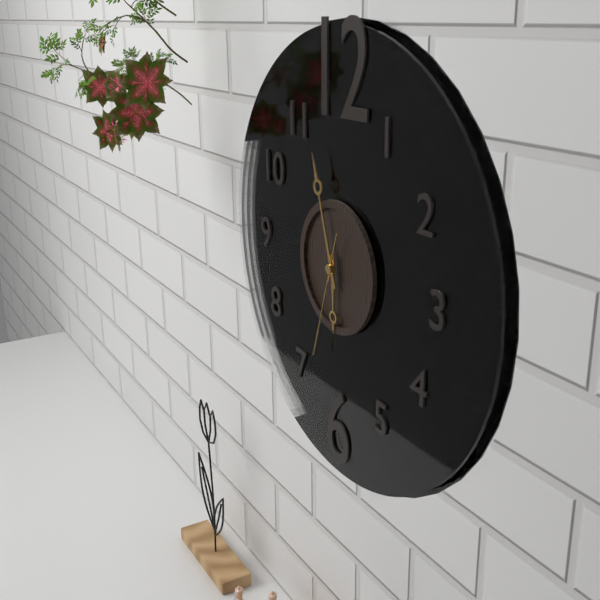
5:57:33
